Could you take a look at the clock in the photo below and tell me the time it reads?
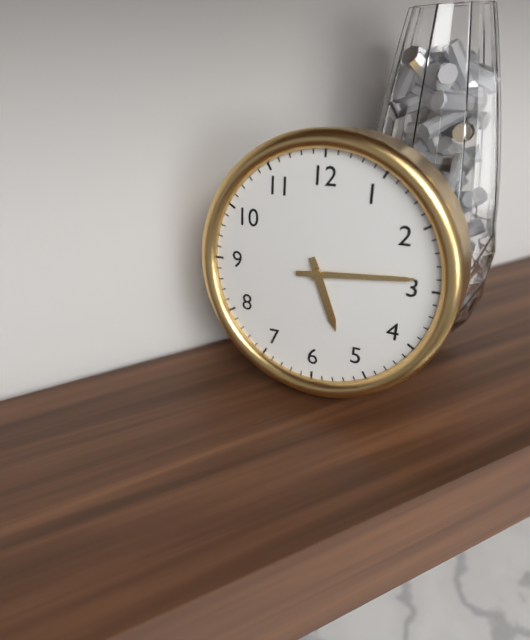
5:14
